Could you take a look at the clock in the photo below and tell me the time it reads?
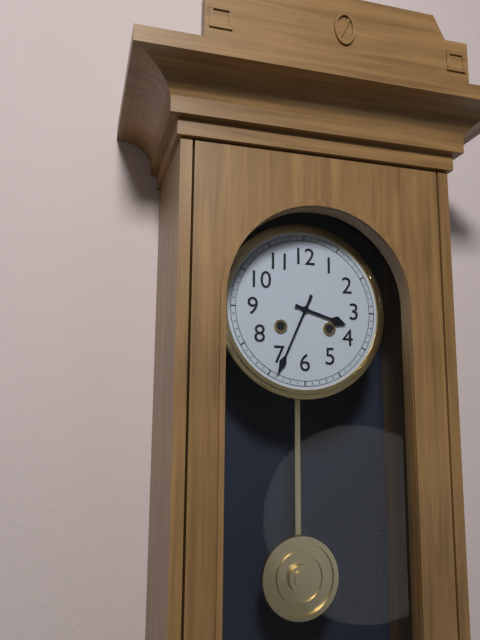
3:34
